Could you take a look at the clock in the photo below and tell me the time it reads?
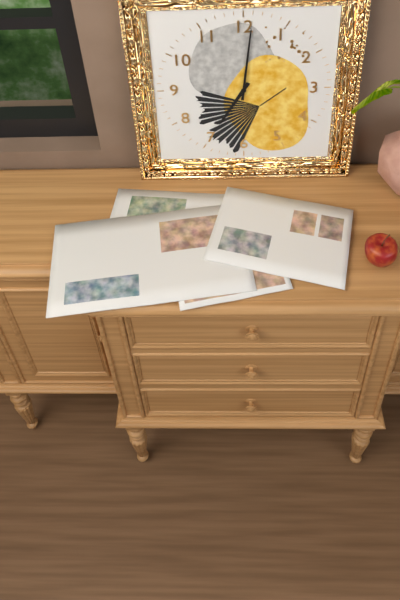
7:01
